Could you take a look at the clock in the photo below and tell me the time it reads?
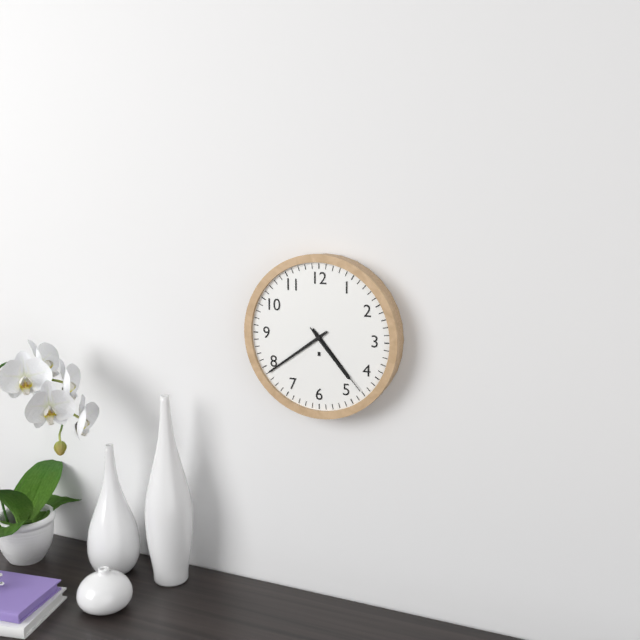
4:39:23
